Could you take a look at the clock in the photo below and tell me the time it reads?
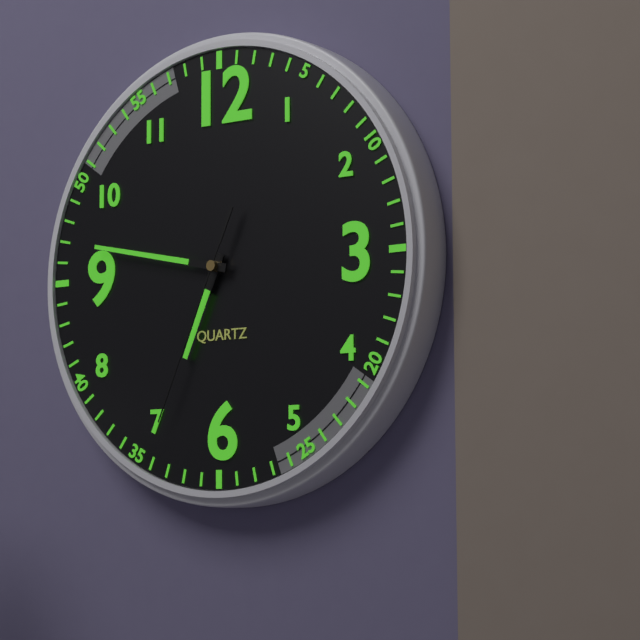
6:47:34
